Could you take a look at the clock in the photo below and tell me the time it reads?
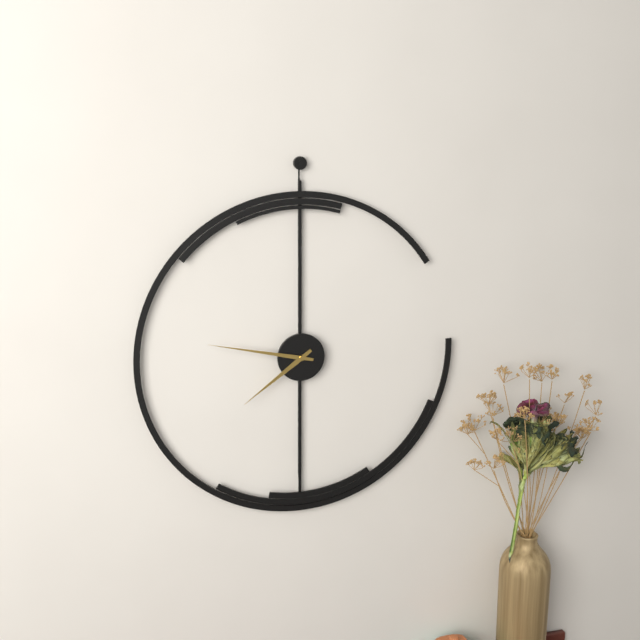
7:47
